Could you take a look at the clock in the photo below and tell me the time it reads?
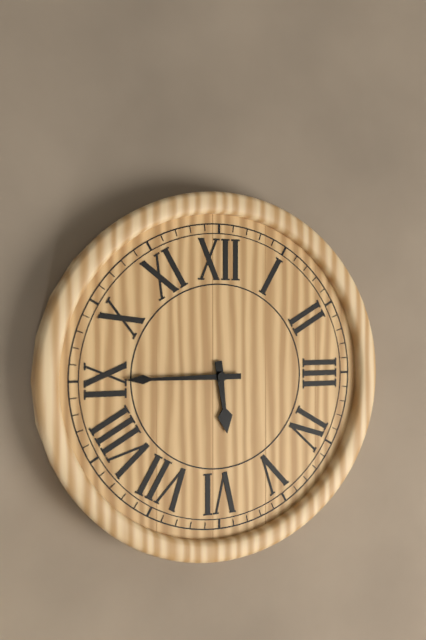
5:45
